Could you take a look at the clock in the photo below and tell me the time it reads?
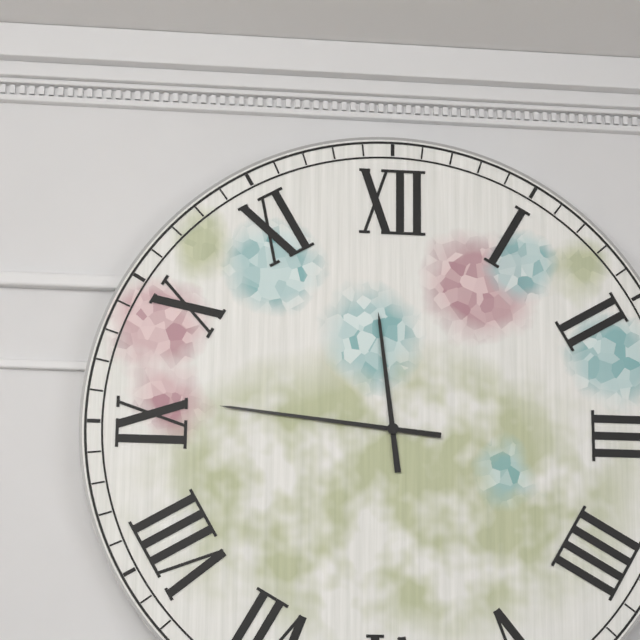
11:46
